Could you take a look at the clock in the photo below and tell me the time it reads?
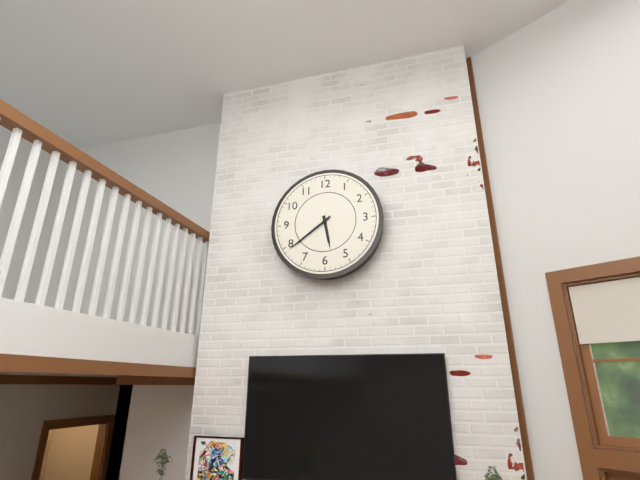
5:39
